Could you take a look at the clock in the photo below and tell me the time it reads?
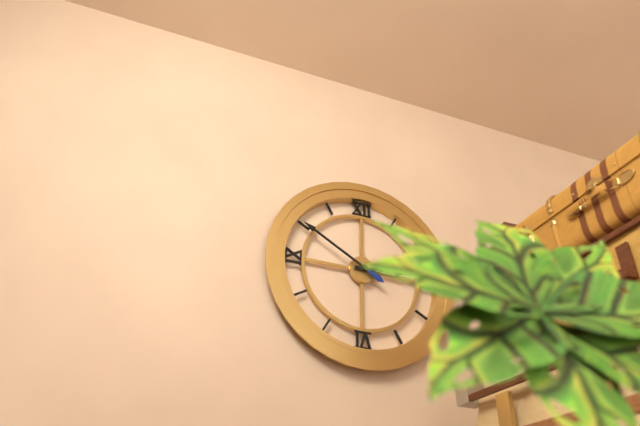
2:50
